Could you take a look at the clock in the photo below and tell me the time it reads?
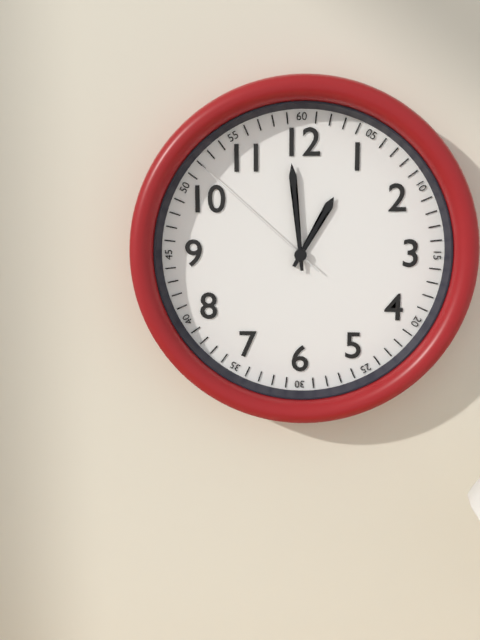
12:59:52
